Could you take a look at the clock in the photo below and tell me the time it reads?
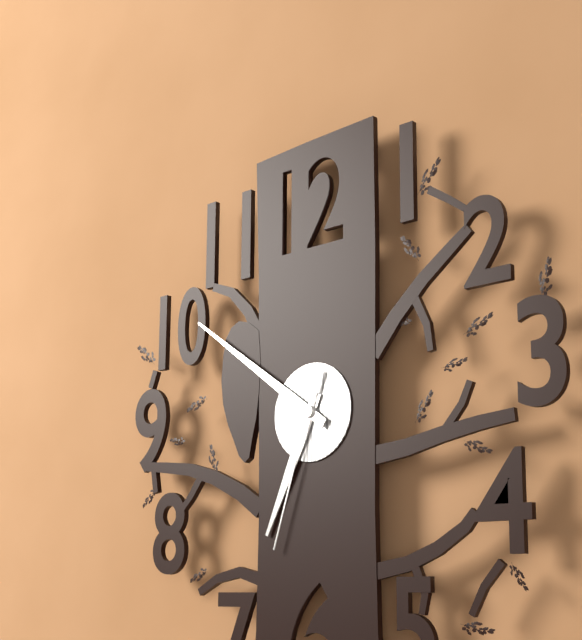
6:51:33
